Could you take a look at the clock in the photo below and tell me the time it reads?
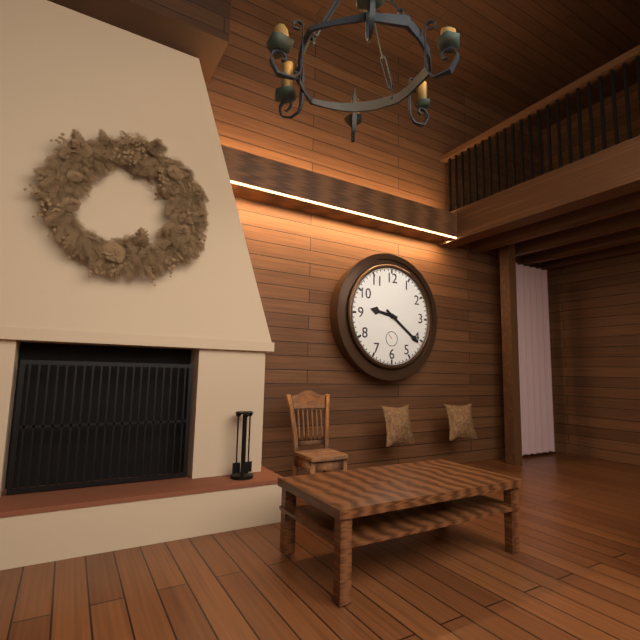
9:21
